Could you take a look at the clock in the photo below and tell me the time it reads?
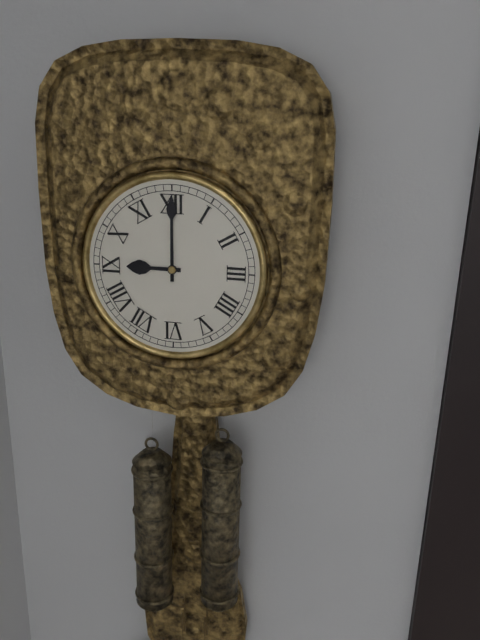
9:00
